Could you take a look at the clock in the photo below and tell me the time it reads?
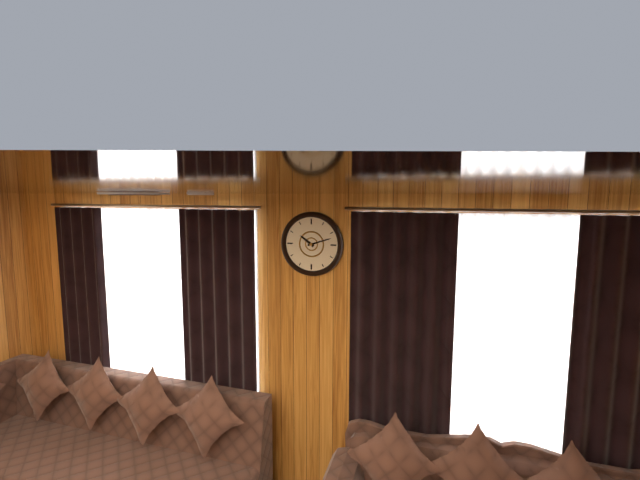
10:12
